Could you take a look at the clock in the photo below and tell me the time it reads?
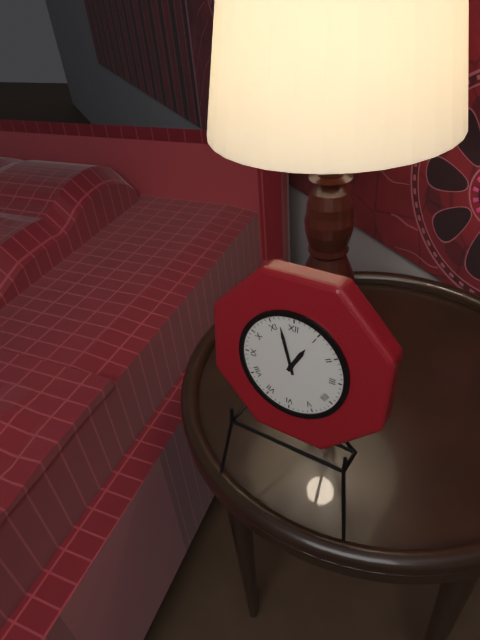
12:57
